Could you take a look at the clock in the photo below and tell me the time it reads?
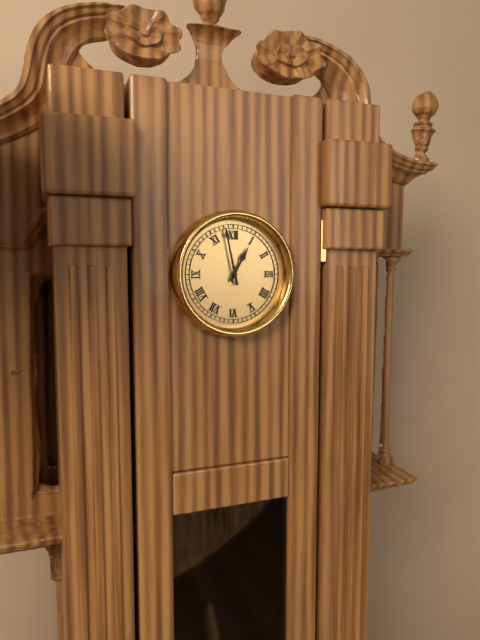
12:58
